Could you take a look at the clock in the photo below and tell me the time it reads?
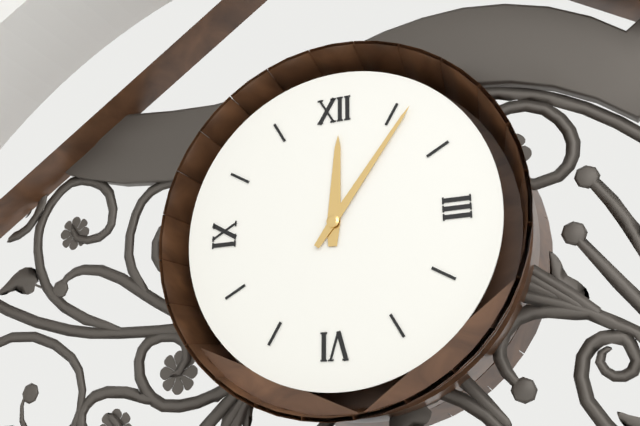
12:06
